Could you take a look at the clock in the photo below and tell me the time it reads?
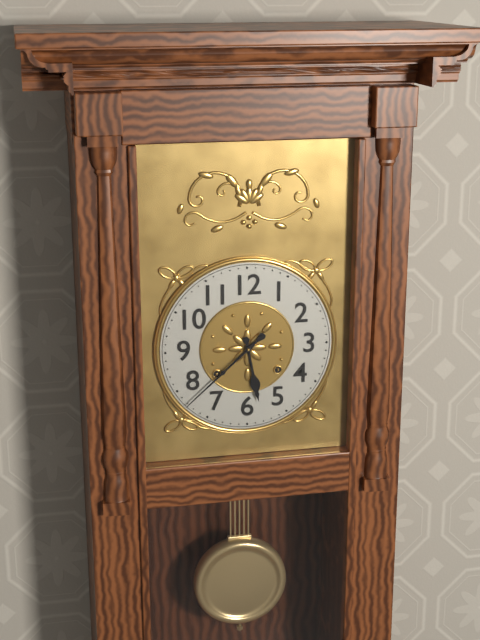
5:38
